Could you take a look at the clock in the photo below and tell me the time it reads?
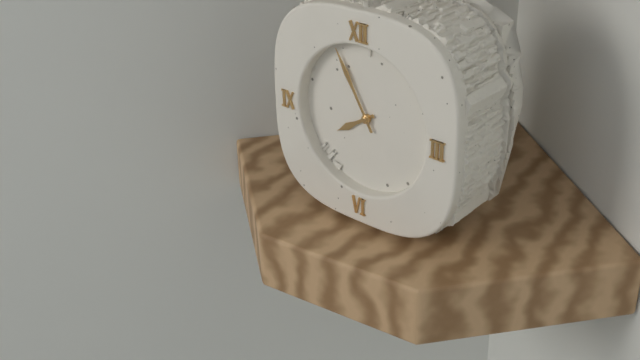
7:55
